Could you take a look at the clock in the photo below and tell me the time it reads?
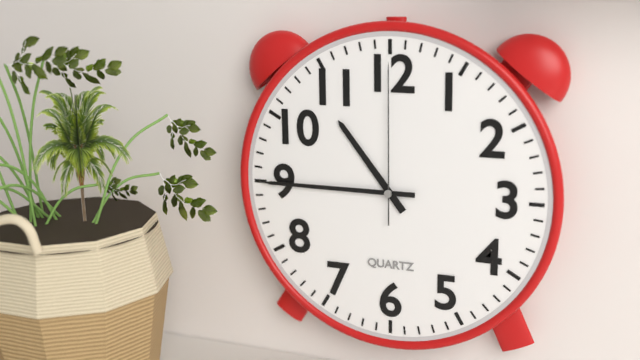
10:45:00
